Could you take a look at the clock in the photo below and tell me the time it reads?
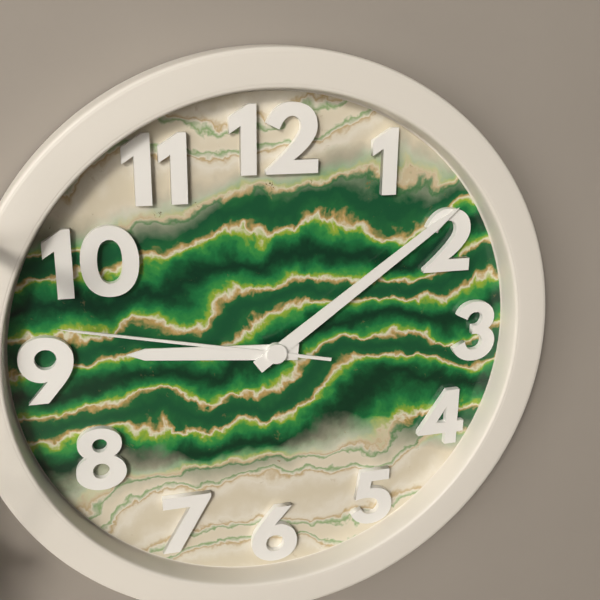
9:09:47
